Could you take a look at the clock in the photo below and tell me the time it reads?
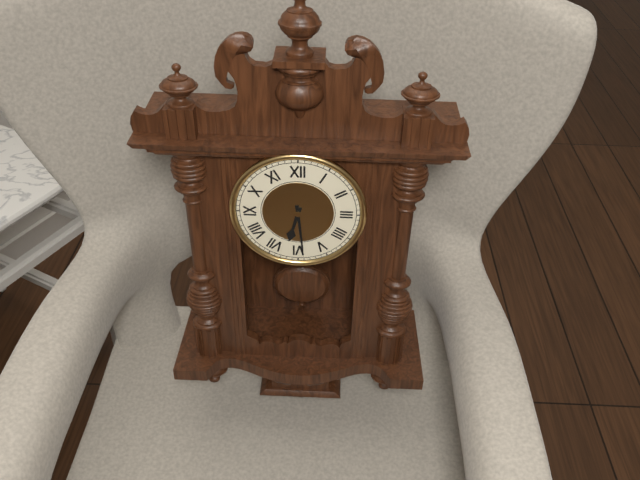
6:29
